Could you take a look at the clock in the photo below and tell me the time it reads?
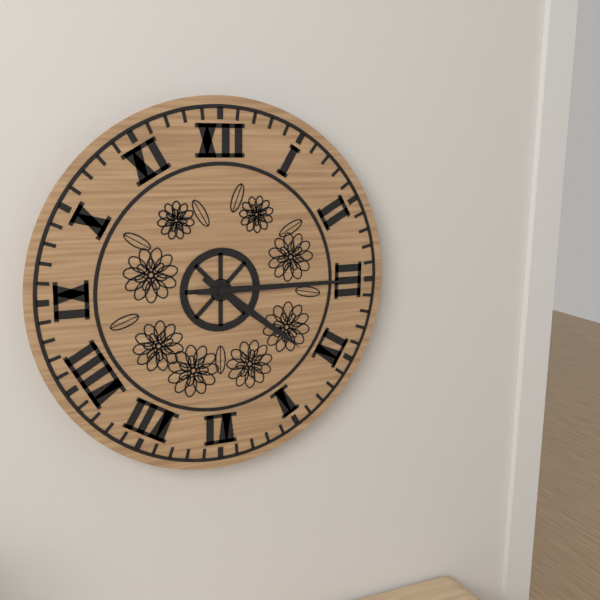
4:15
